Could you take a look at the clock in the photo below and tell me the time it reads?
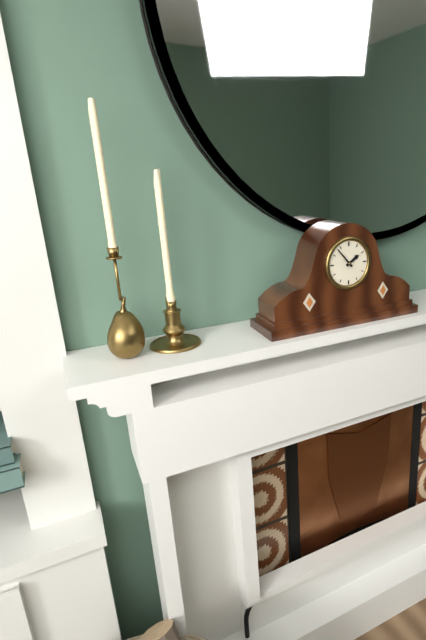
1:53
